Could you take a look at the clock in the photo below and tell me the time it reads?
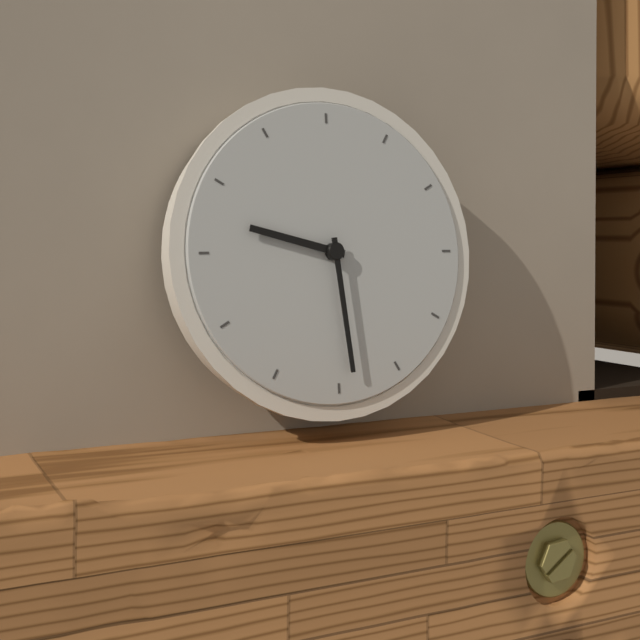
9:29
